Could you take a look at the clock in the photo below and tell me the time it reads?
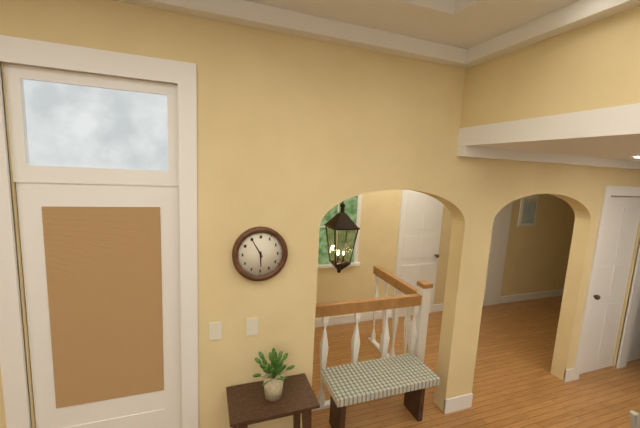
5:55
